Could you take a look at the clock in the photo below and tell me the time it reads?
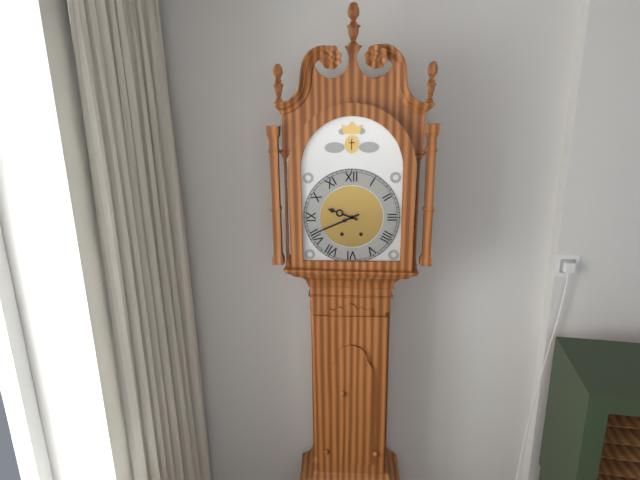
9:41
